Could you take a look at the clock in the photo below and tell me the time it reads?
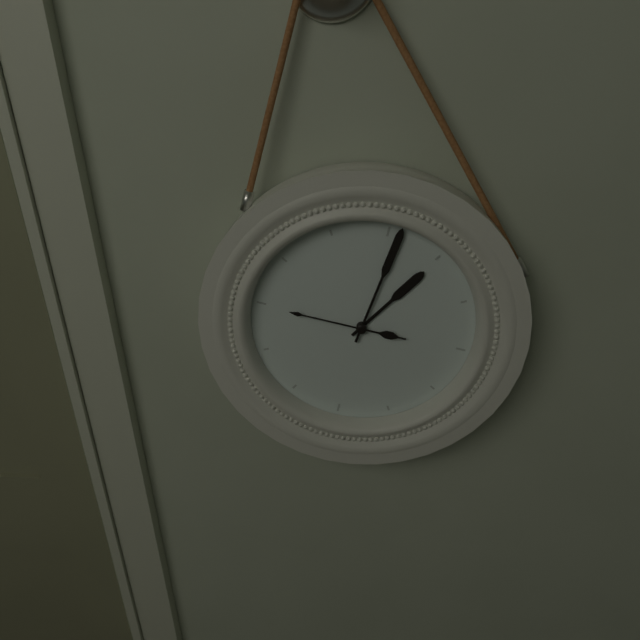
1:01:45
